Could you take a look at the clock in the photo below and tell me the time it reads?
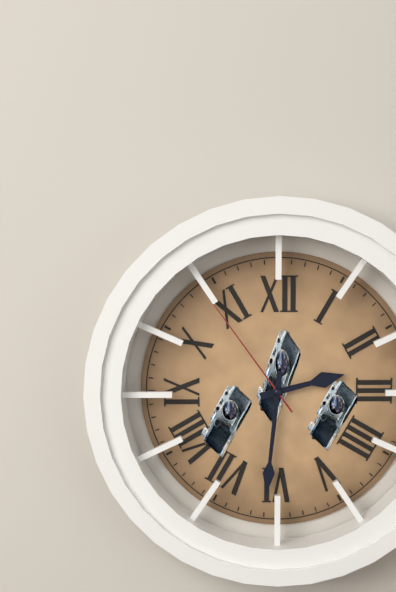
2:31:54
